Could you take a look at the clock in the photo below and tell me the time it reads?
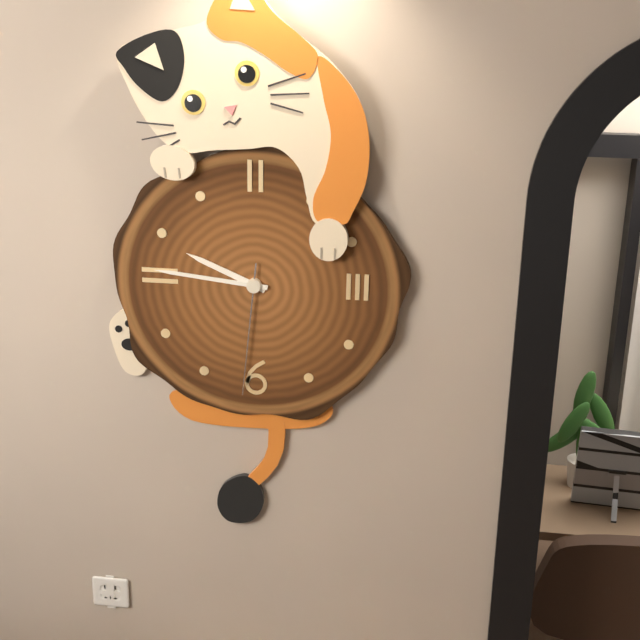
9:46:31
